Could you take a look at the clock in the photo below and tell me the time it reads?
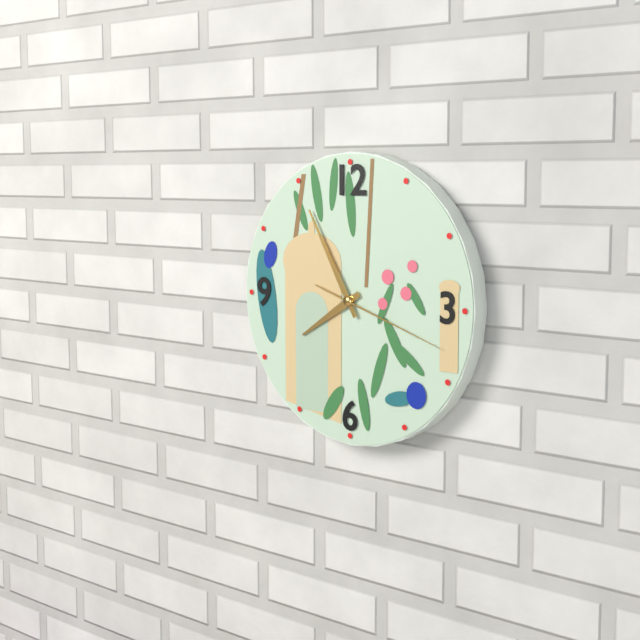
7:55:18
